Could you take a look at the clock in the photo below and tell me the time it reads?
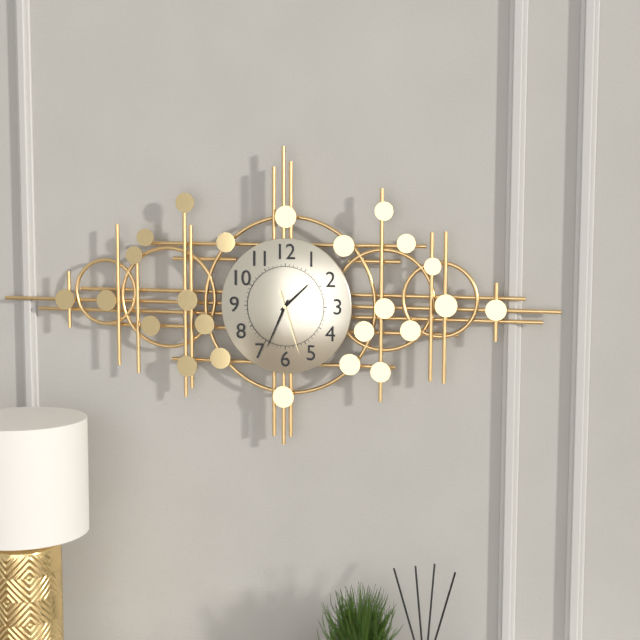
1:34:27
